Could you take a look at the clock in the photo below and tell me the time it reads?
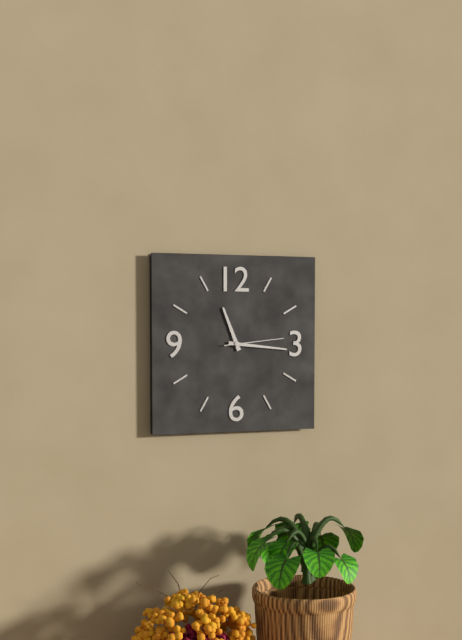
11:16:14
